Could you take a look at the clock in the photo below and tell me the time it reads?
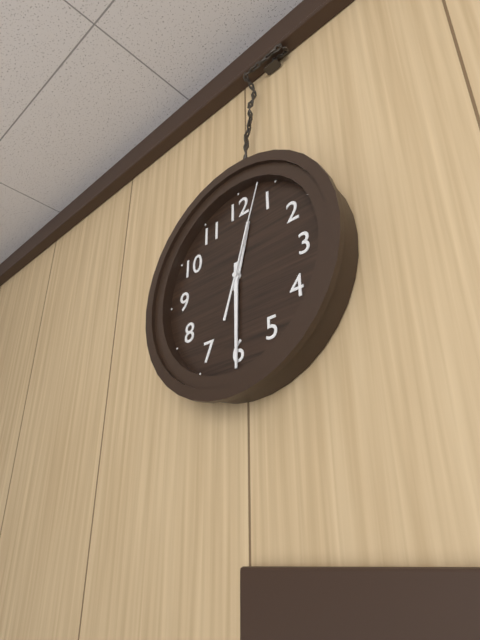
12:30:03
